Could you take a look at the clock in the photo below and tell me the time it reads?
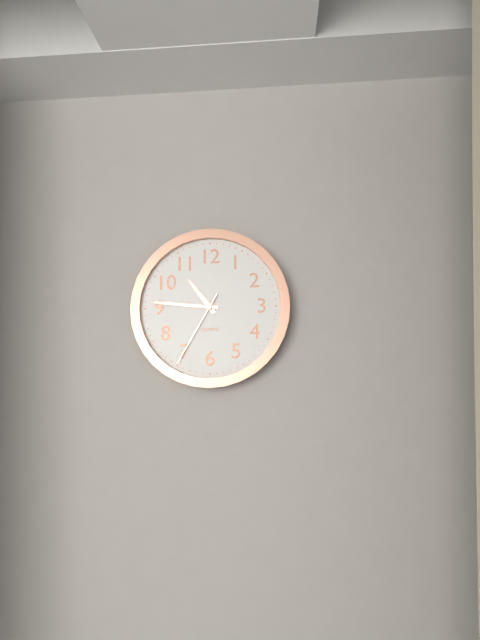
10:46:35
